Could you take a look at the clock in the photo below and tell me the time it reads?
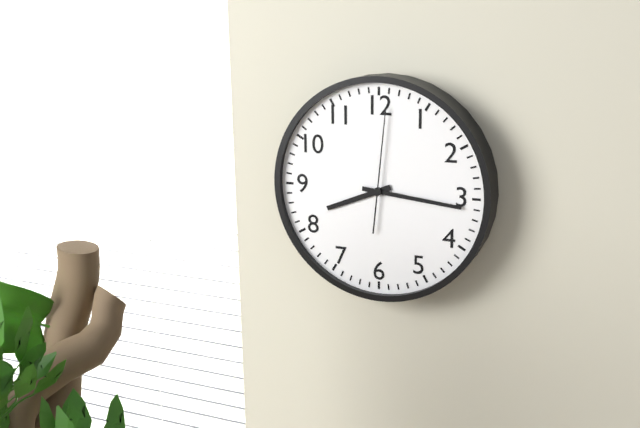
8:16:01
